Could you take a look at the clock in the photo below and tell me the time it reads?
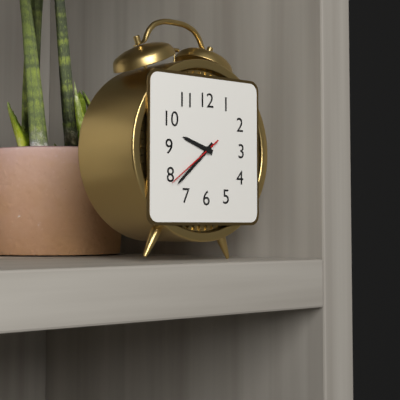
9:38:39
